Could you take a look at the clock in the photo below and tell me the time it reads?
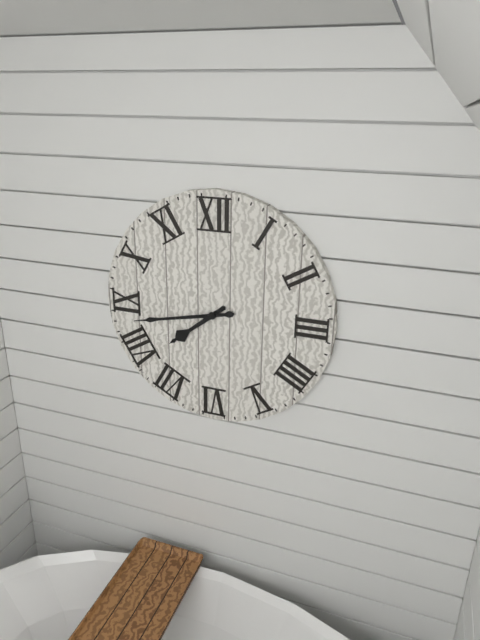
7:43
